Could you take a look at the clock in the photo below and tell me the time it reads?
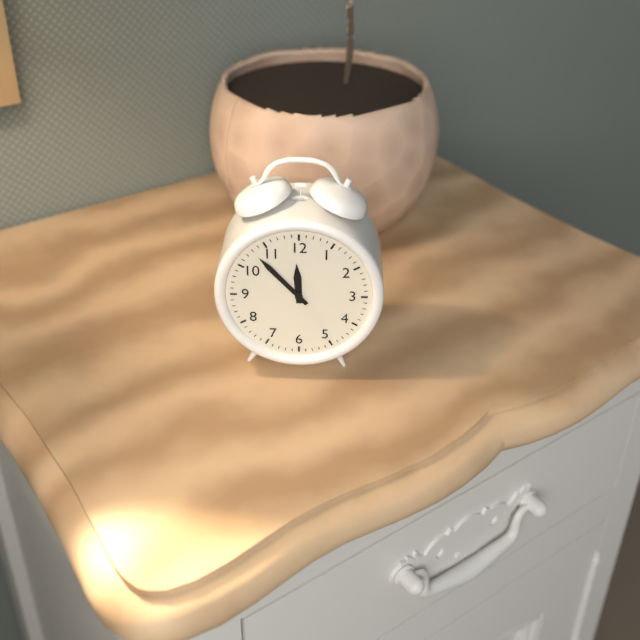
11:53
